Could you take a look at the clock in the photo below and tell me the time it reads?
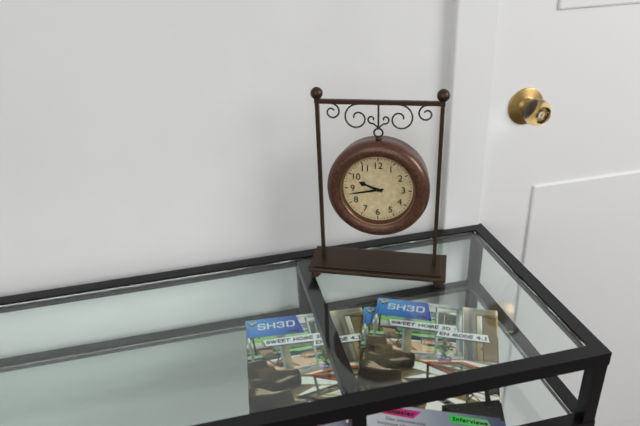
9:43
